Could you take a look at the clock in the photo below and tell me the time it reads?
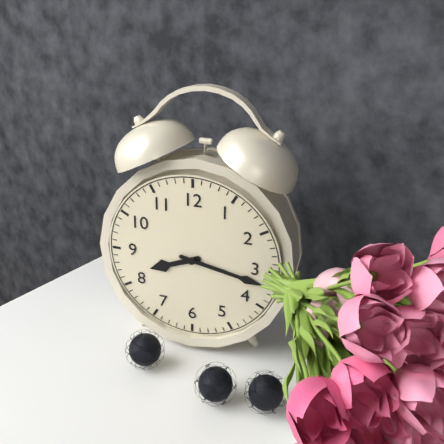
8:17
